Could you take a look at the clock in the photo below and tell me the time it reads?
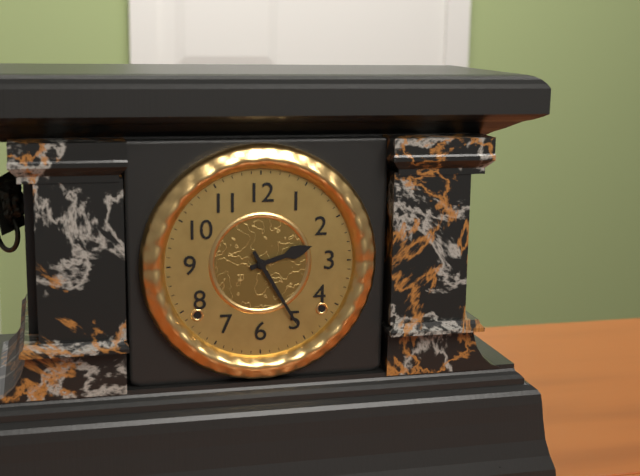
2:25
